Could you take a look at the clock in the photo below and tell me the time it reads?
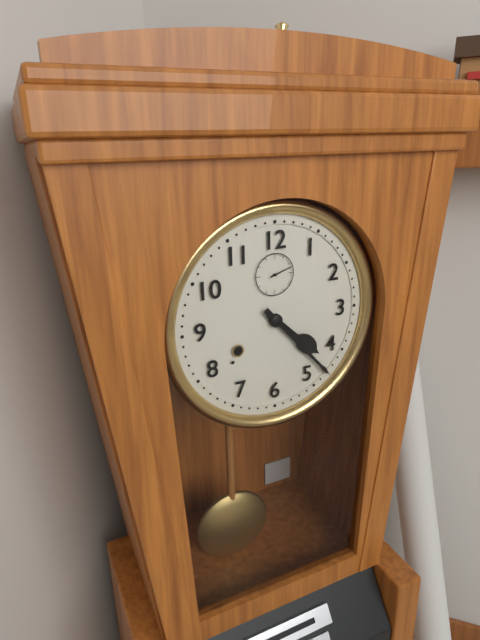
4:23
